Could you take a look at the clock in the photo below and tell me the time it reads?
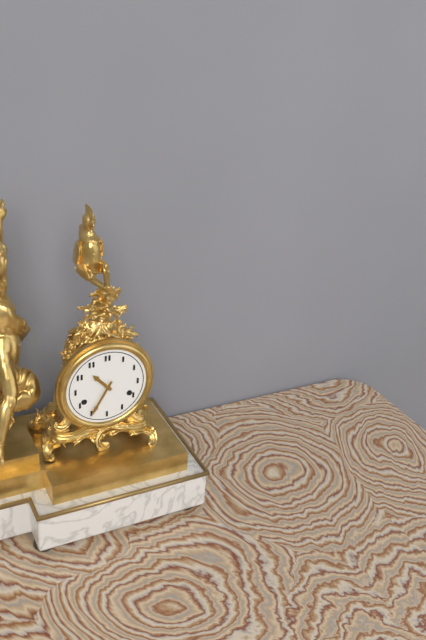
10:35
